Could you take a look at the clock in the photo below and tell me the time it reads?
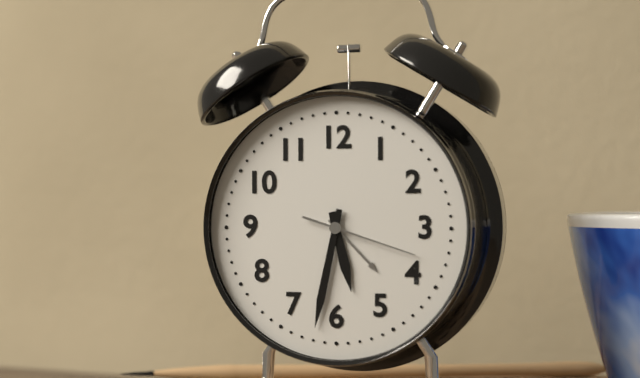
5:32:18
